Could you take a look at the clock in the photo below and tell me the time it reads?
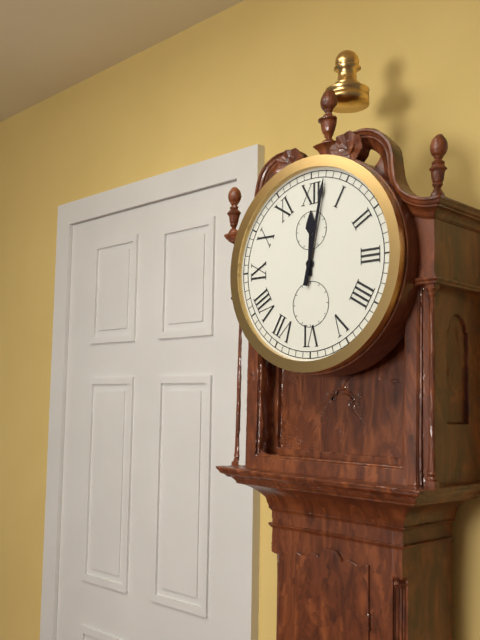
12:02
